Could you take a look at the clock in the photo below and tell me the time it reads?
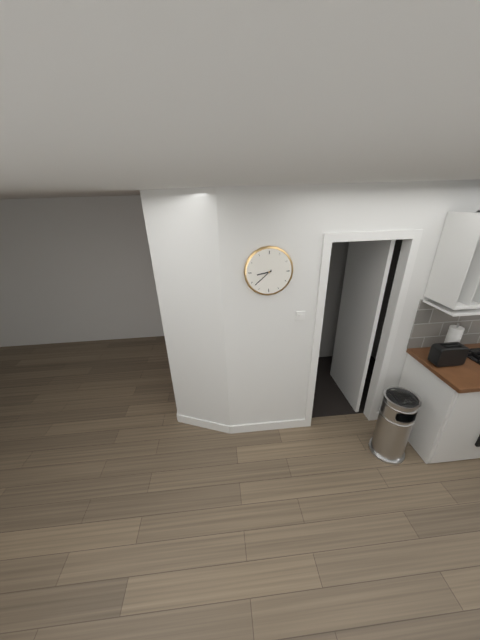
8:38
